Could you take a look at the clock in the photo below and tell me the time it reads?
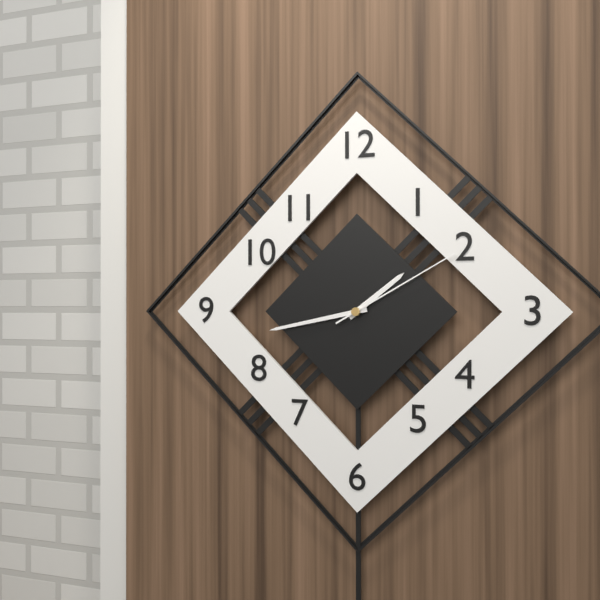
1:43:10
